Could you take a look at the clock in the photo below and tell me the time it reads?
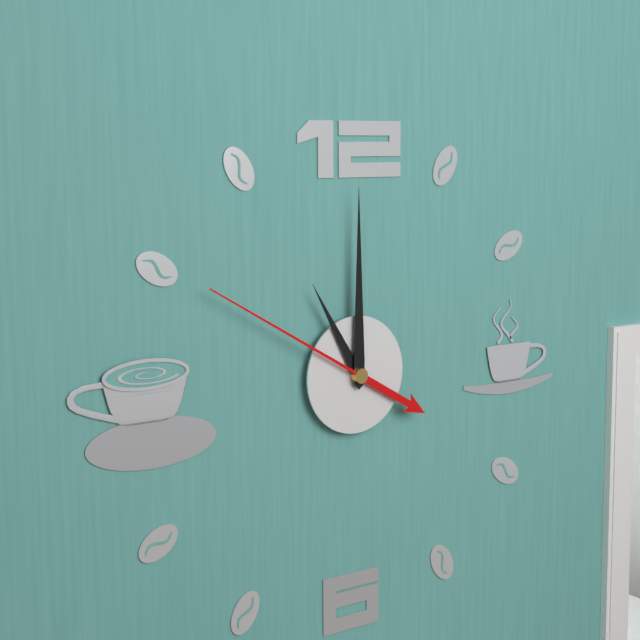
11:00:50
